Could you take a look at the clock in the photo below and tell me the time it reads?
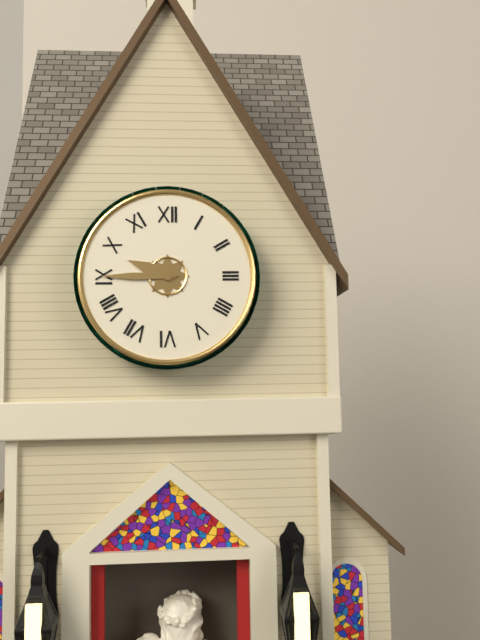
9:45
